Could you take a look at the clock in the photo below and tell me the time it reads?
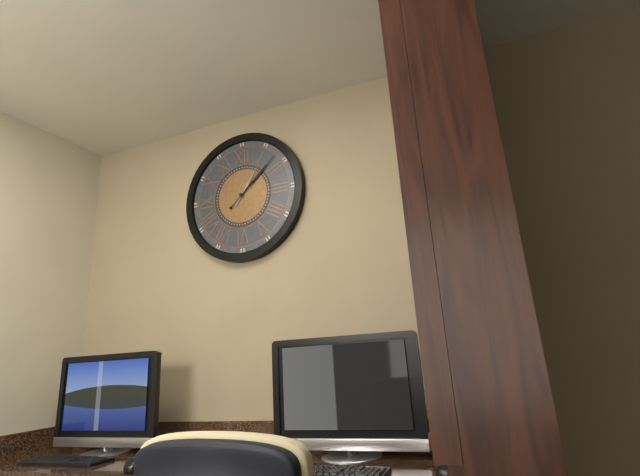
1:08
